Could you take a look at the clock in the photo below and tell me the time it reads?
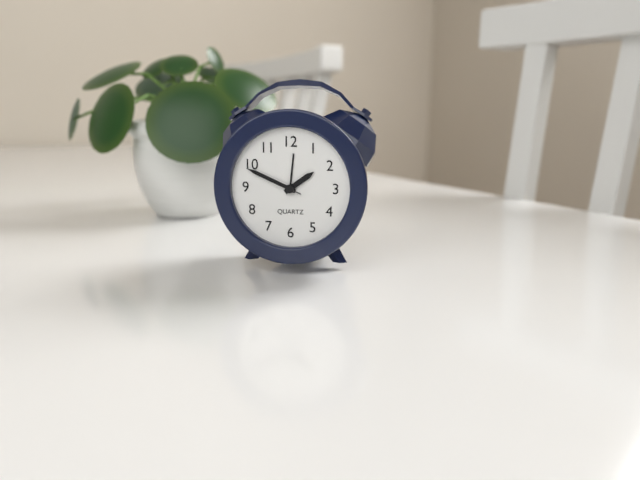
1:49:49
